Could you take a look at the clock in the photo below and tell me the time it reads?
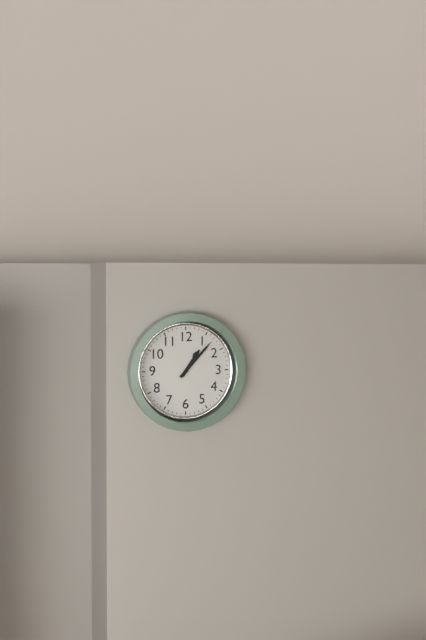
1:07
